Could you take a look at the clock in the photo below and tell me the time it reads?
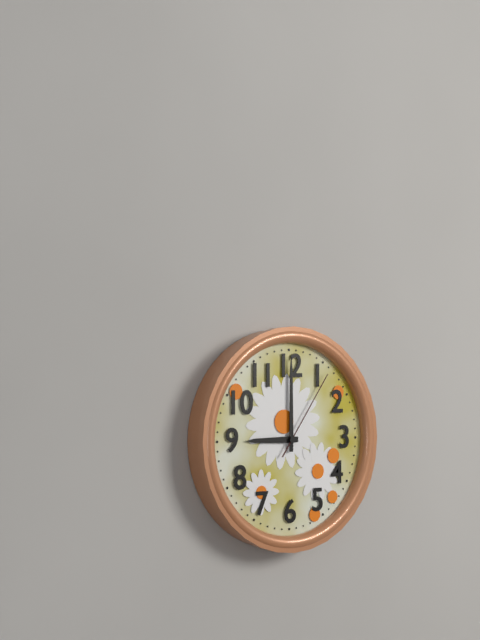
9:00:06
